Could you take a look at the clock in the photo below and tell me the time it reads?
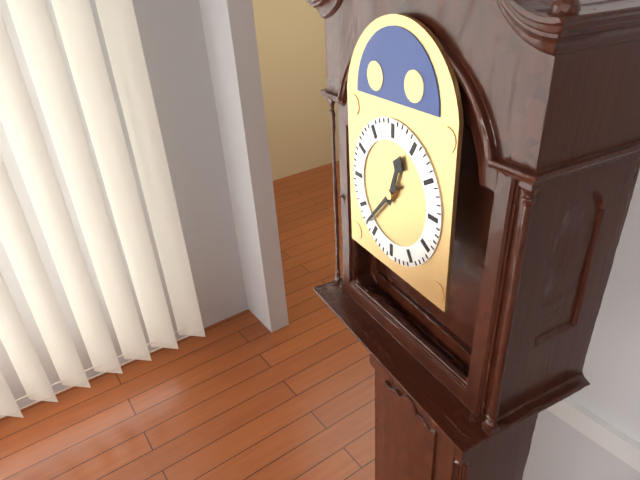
12:37
